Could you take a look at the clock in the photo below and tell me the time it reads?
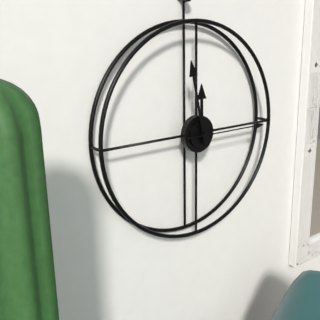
11:58:15
